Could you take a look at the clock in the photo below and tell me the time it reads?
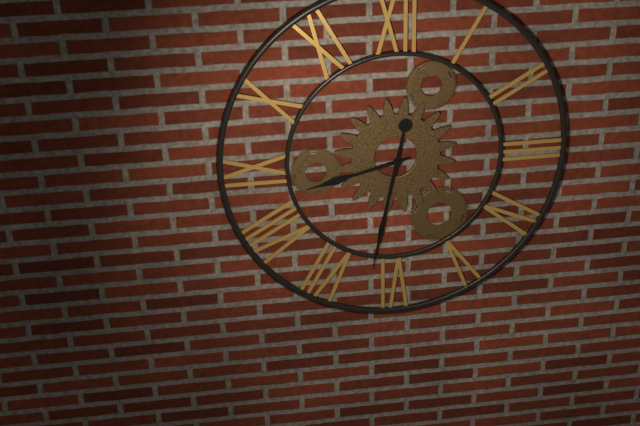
8:32
